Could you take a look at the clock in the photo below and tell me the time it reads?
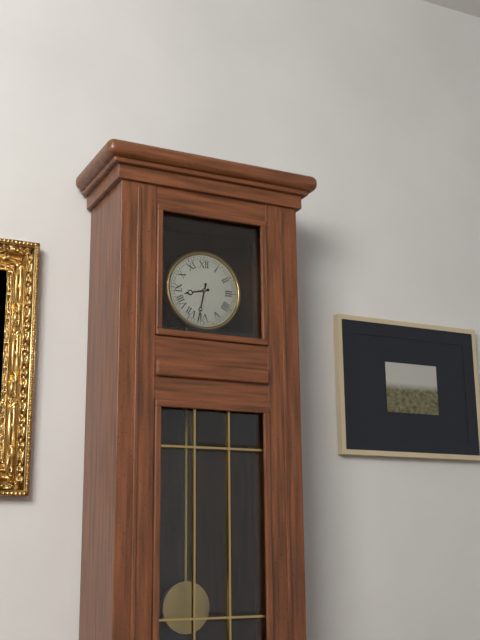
8:32
